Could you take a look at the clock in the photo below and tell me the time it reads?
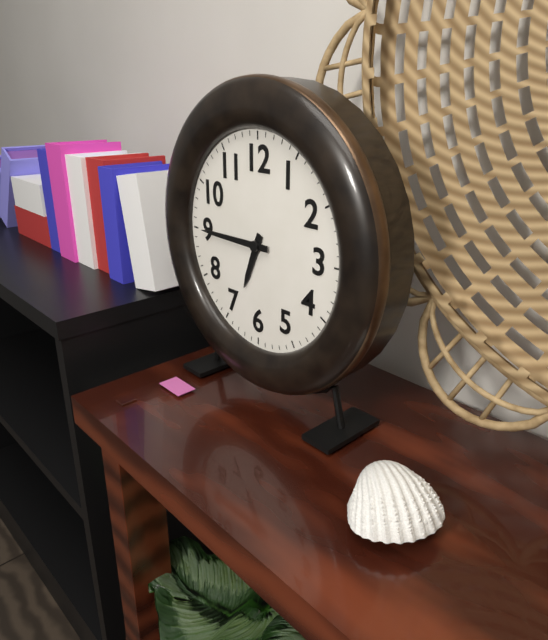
6:45
